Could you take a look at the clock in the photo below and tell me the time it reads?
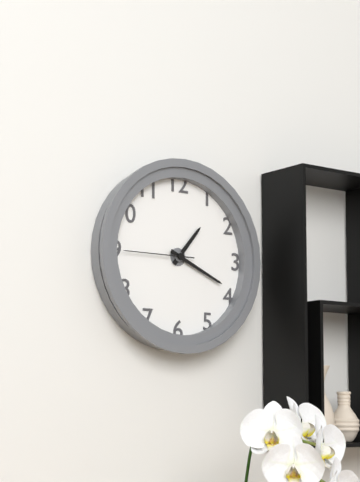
1:19:45
